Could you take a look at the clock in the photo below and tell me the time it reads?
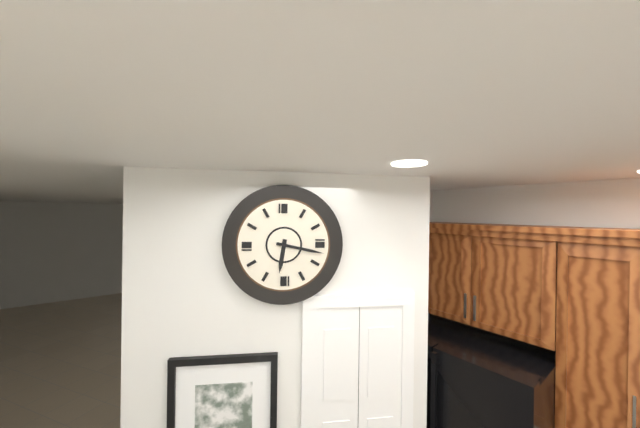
6:17
